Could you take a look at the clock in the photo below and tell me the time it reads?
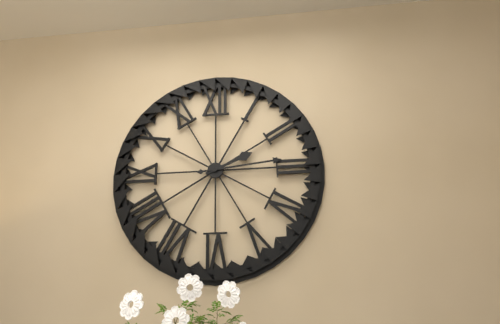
2:14
